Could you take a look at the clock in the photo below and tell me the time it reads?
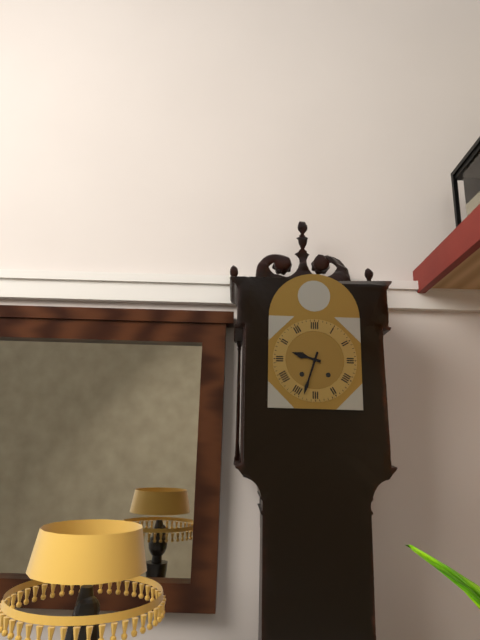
9:33
